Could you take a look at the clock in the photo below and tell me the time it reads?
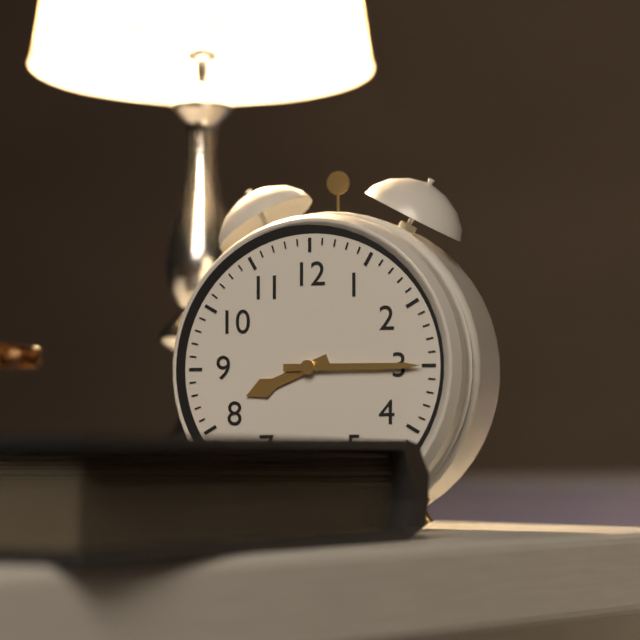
8:15
